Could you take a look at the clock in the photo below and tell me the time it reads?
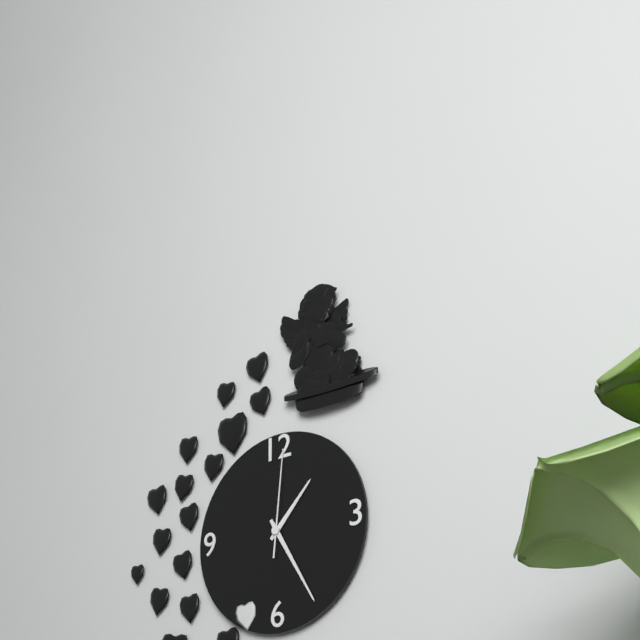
1:25:01
